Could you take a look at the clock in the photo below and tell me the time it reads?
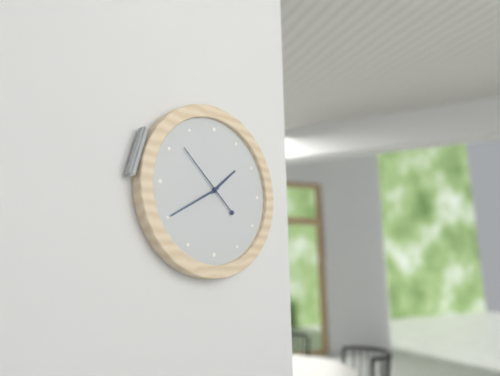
1:40:52
